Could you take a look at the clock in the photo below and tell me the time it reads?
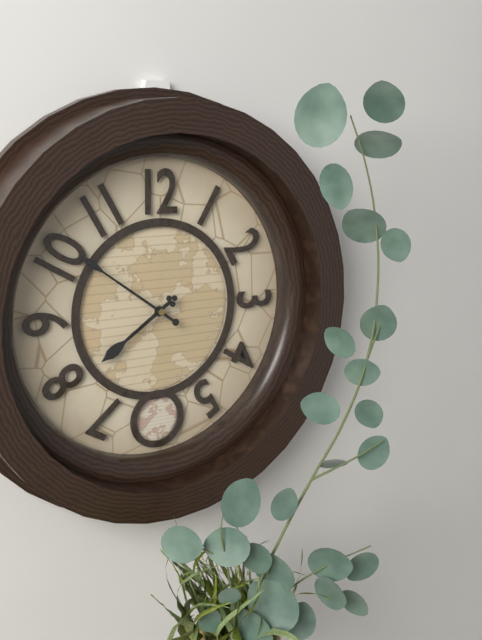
7:51
